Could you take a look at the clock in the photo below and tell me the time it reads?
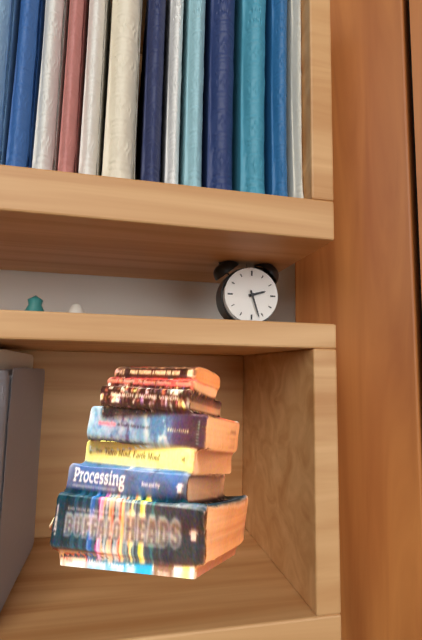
2:27
